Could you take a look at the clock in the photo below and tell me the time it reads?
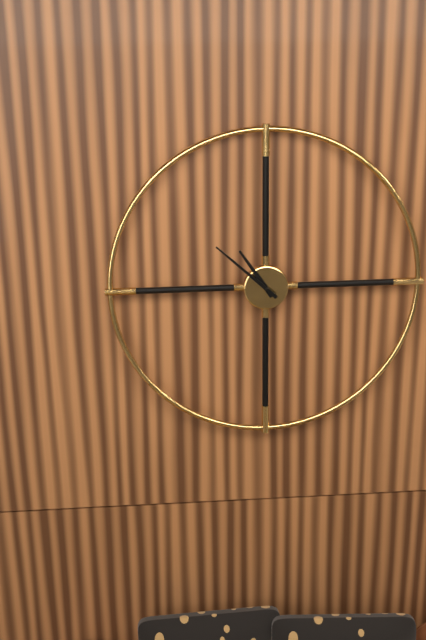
10:52
